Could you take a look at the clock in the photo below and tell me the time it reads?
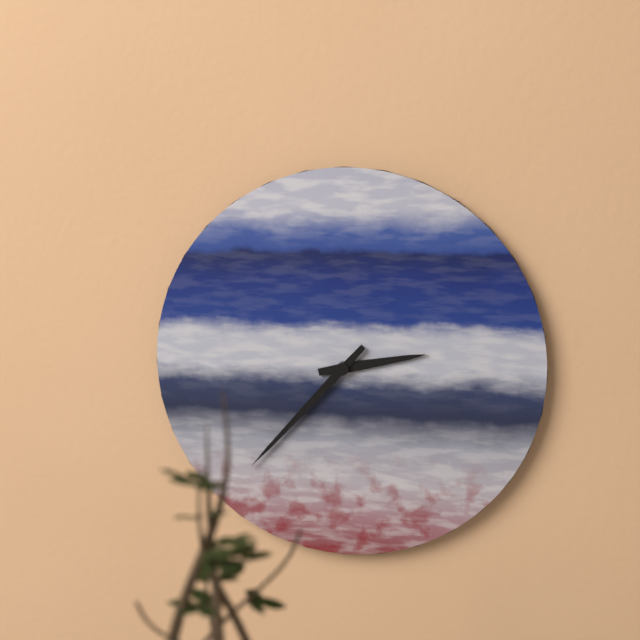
2:37
